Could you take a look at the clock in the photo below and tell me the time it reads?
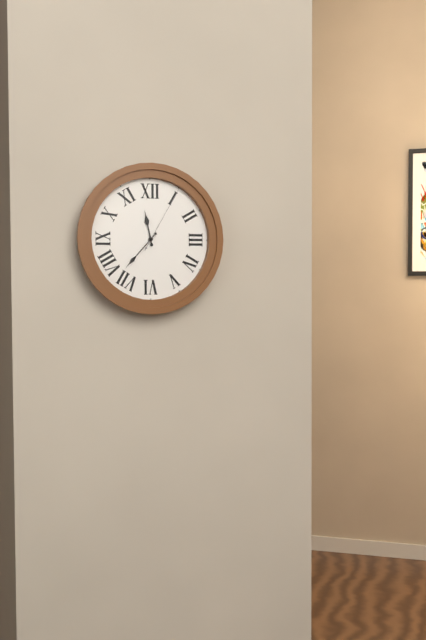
11:37:05
